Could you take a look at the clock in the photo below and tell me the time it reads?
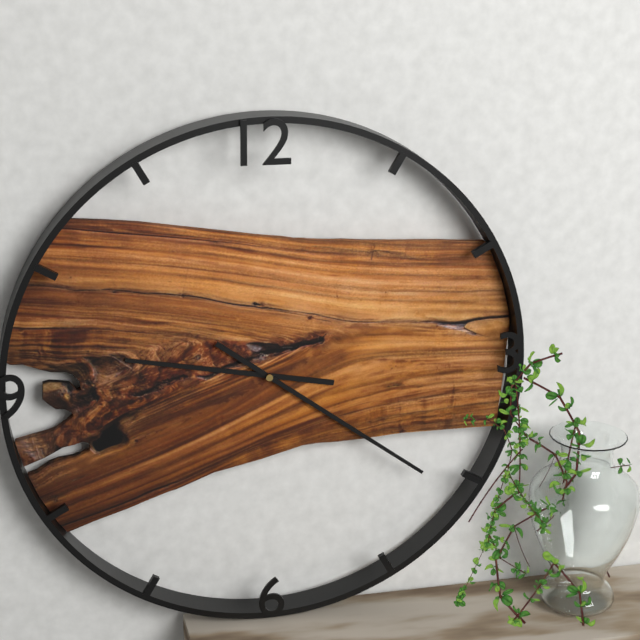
9:21
